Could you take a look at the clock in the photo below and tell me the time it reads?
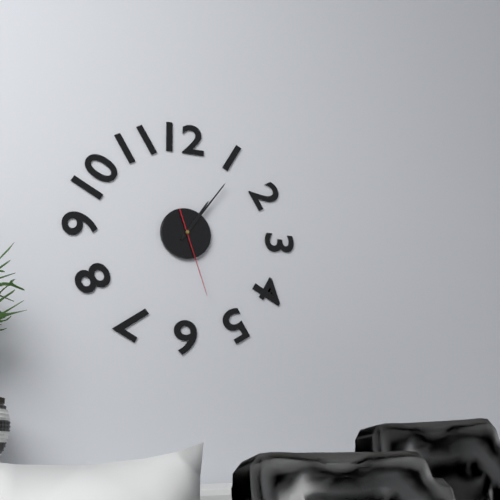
1:06:27
